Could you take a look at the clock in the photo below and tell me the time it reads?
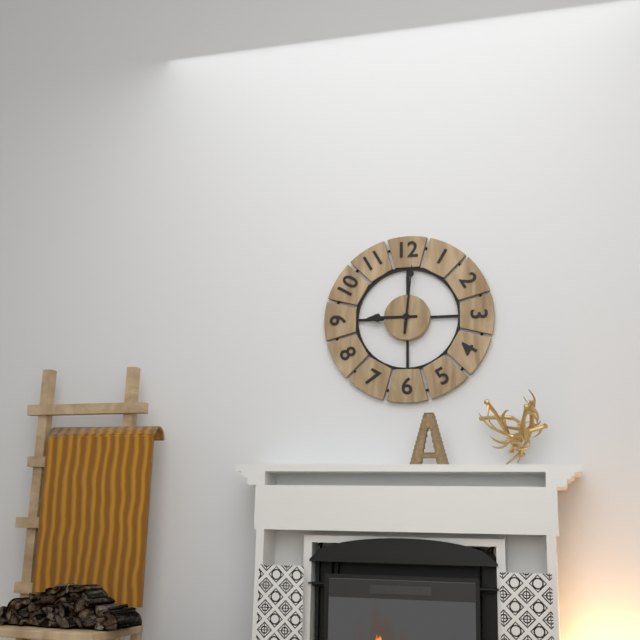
9:01
